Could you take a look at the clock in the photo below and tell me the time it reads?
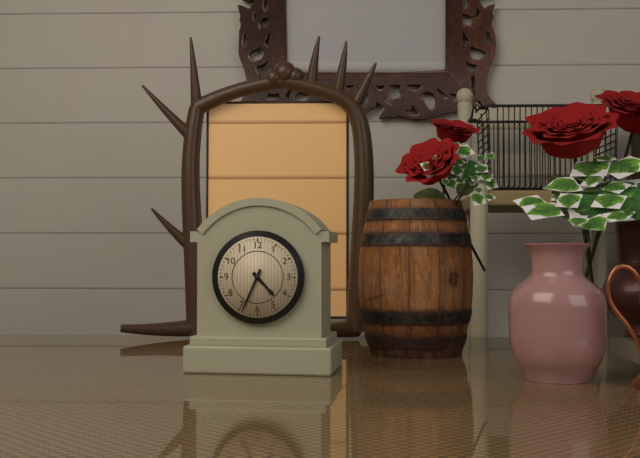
4:34
